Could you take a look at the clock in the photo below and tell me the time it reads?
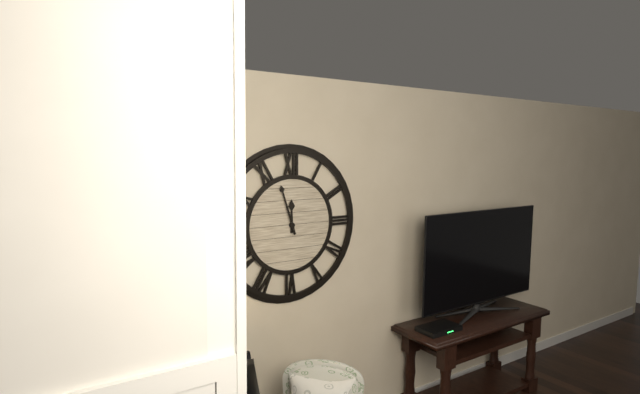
11:57
